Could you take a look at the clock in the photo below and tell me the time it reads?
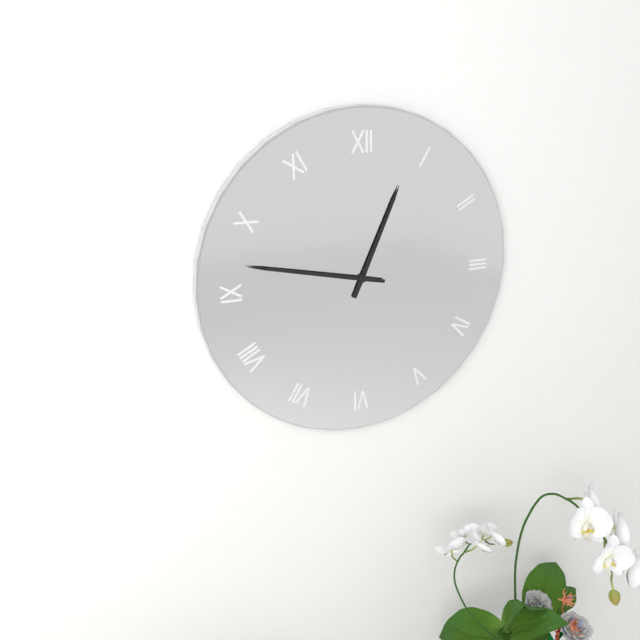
12:47
